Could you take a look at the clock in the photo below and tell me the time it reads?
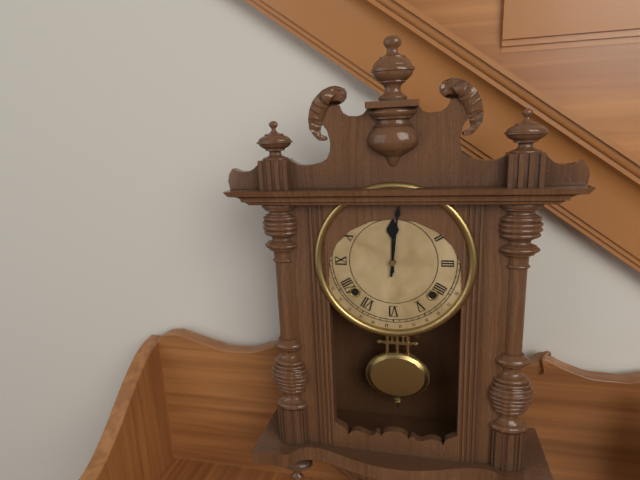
12:01
